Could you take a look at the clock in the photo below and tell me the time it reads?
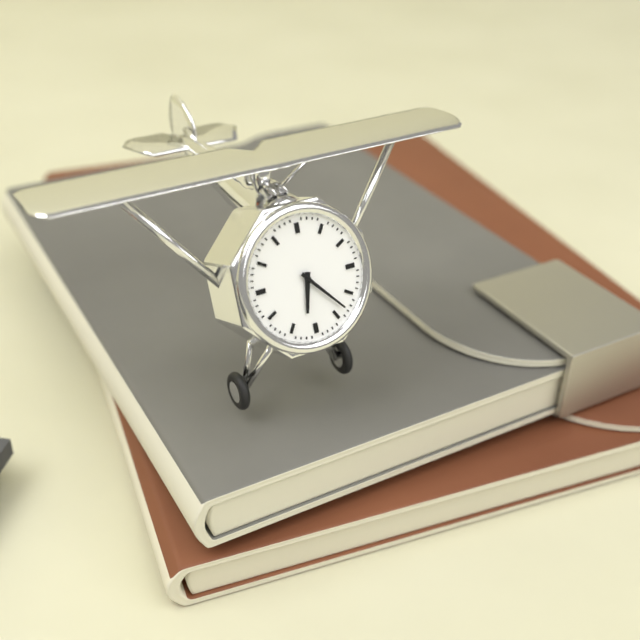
6:23
